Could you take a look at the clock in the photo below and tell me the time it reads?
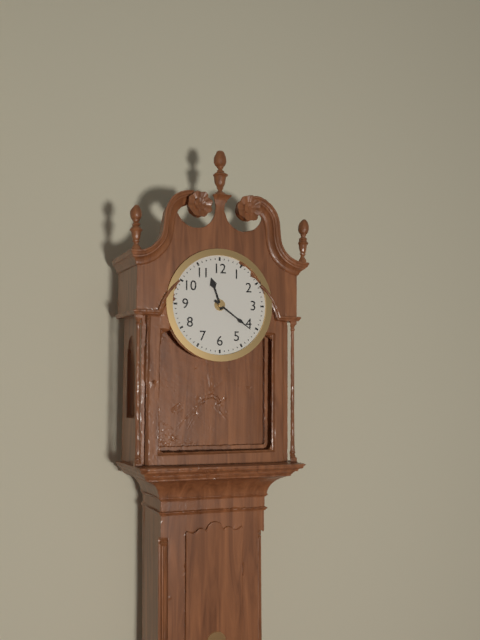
11:21
